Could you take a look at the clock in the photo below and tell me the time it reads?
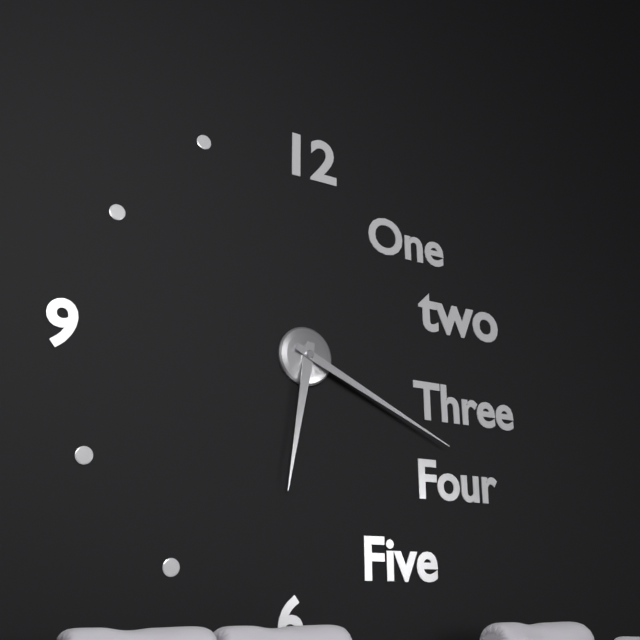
6:19
